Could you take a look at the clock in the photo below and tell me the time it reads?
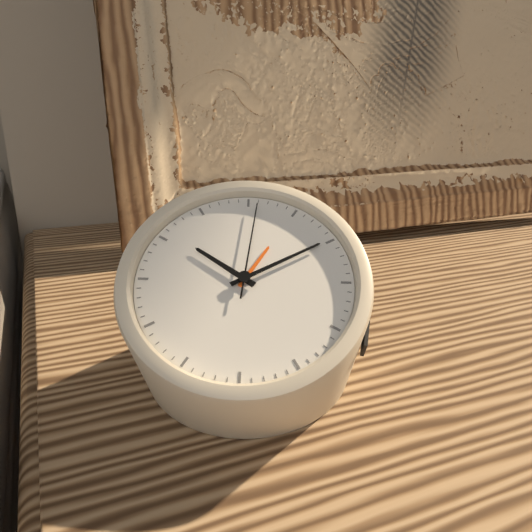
10:10:01
